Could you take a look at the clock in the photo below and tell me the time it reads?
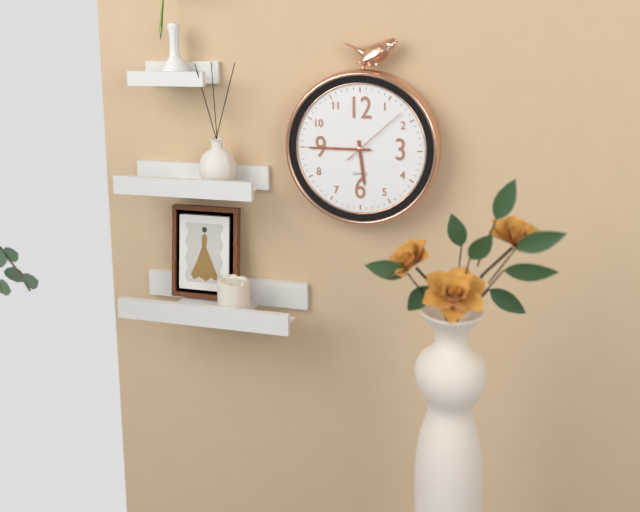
5:45:08
